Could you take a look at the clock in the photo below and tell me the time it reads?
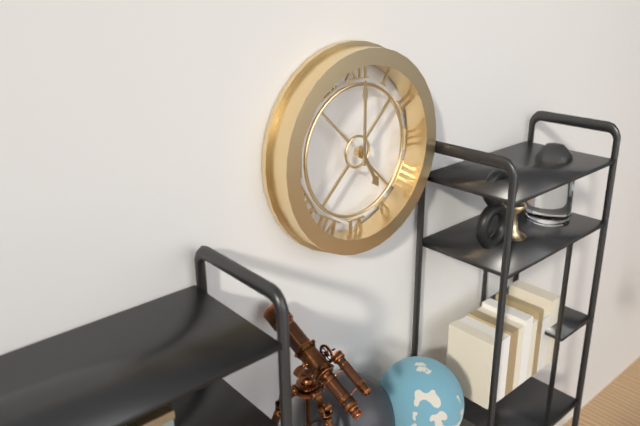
5:00
